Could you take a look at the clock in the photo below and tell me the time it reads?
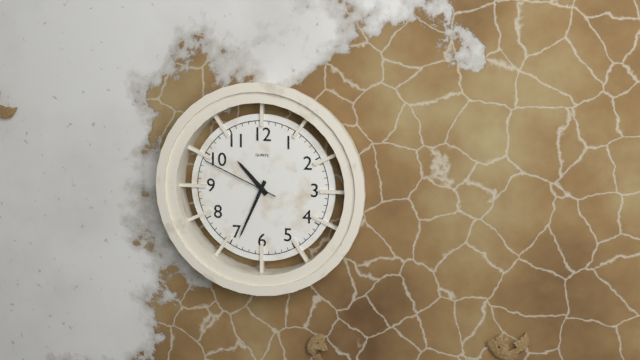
10:34:49
